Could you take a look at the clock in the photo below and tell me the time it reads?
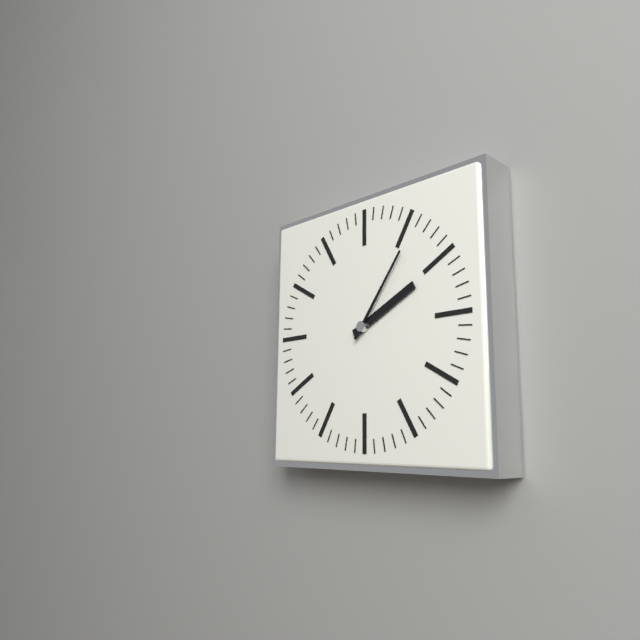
2:06
